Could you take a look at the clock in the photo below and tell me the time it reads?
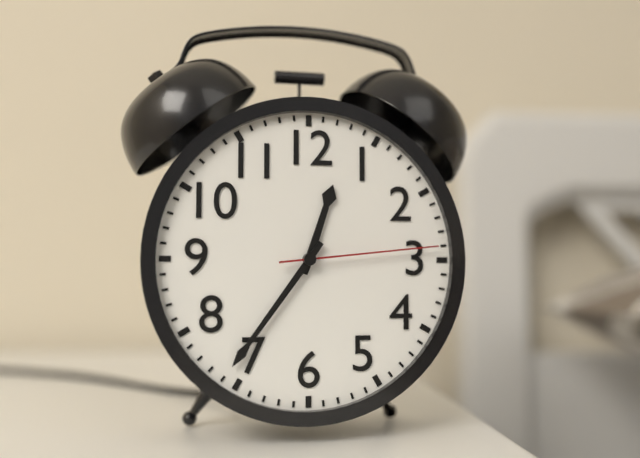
12:36:14
